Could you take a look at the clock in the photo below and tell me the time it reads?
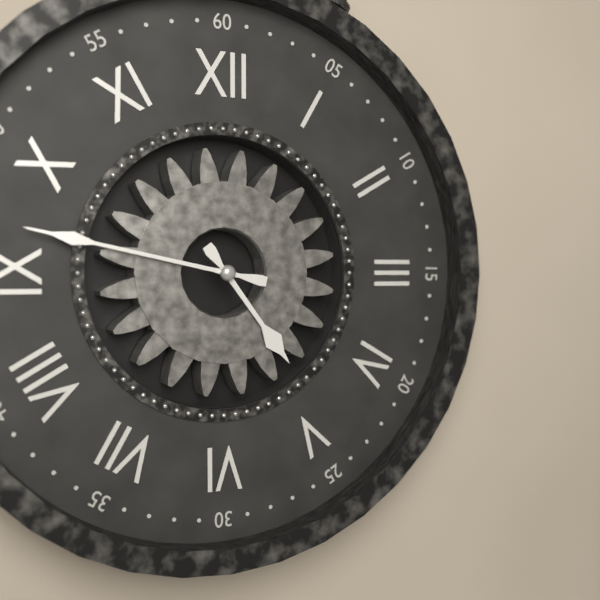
4:47
